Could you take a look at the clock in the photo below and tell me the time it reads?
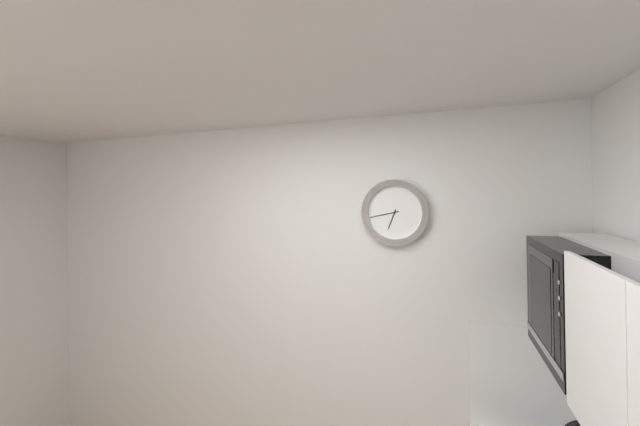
6:43
